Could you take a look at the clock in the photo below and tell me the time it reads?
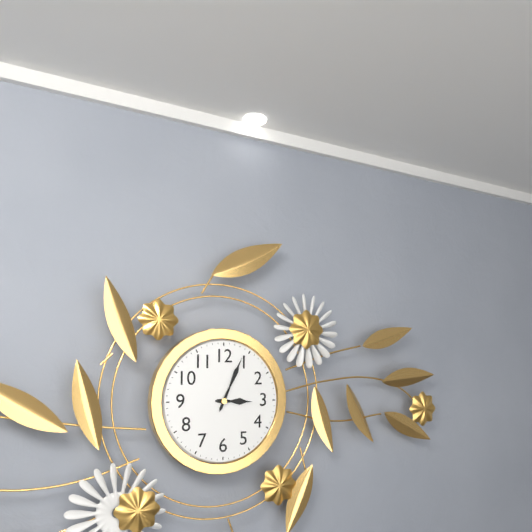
3:04
